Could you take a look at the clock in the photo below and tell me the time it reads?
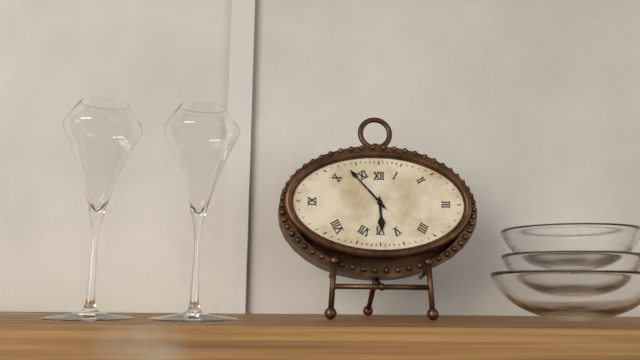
5:53
